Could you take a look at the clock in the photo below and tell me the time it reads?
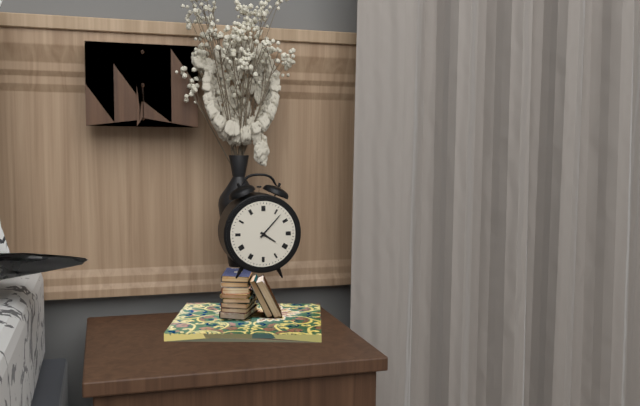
4:07
